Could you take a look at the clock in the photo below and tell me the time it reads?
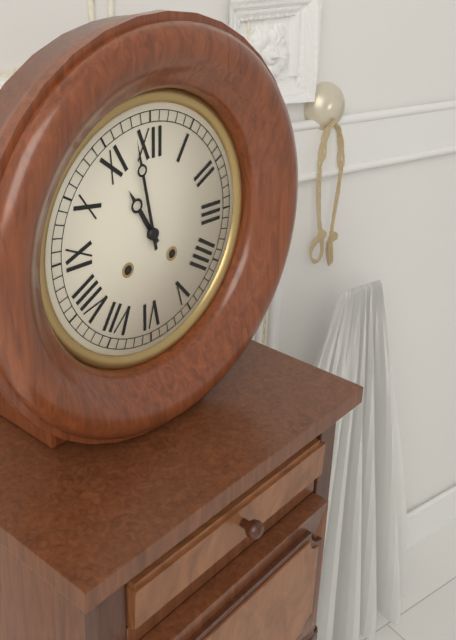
10:58
